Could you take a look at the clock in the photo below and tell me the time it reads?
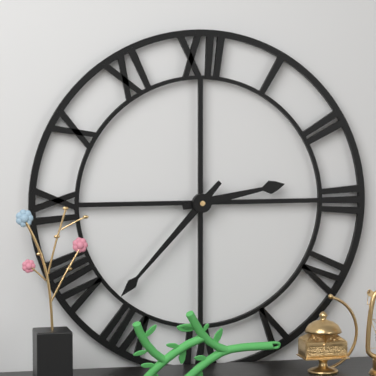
2:37
